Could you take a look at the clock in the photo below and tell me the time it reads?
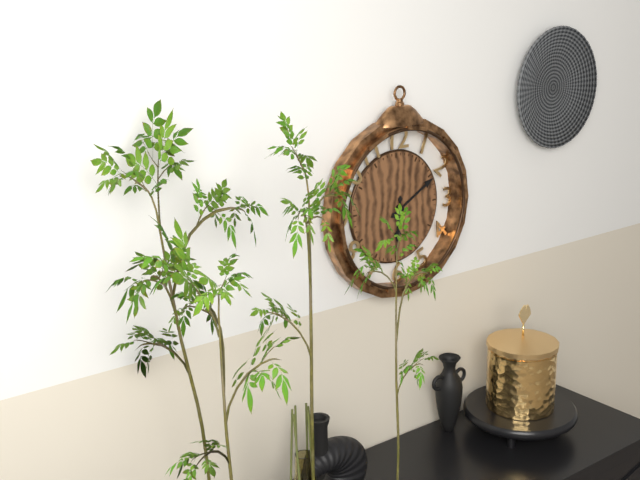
6:10
